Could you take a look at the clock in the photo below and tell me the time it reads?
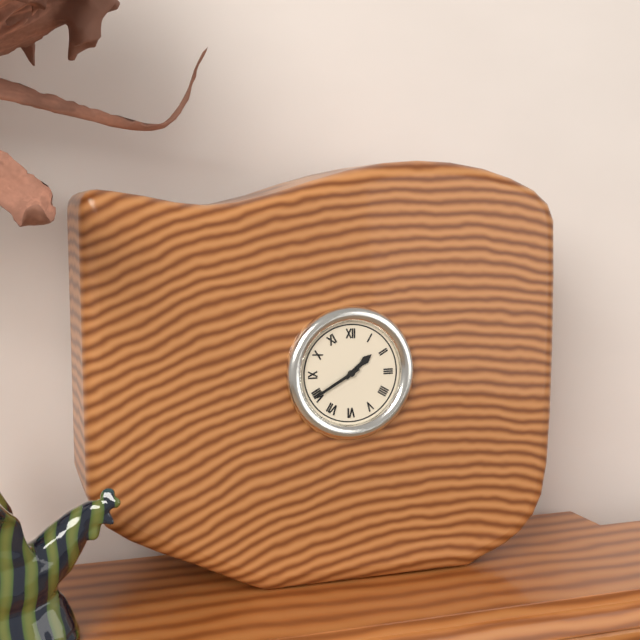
1:40
